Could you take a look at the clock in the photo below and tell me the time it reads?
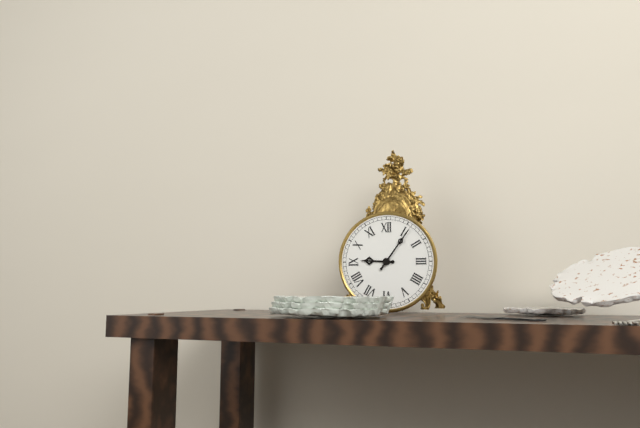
9:06
